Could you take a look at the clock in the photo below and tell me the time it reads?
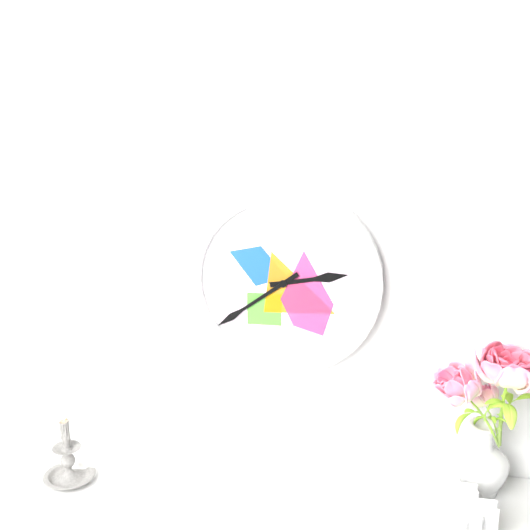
2:39
